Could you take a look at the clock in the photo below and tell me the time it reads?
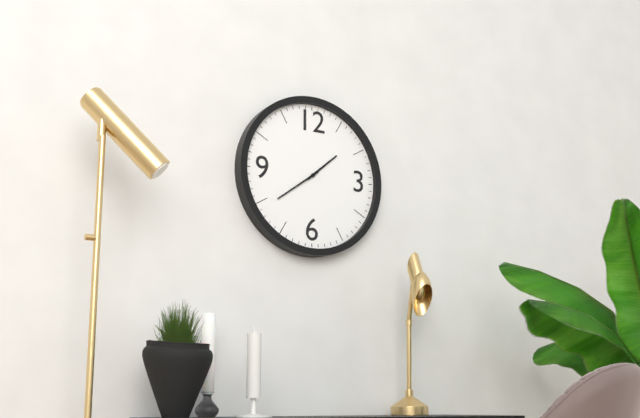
1:39
